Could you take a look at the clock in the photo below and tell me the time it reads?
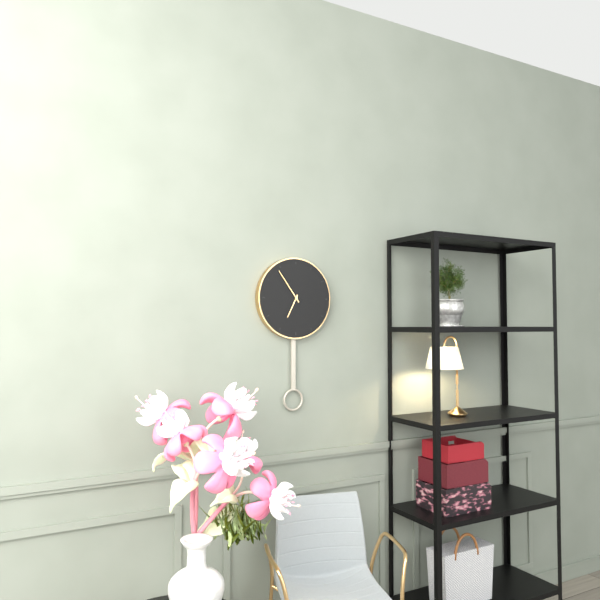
6:54
